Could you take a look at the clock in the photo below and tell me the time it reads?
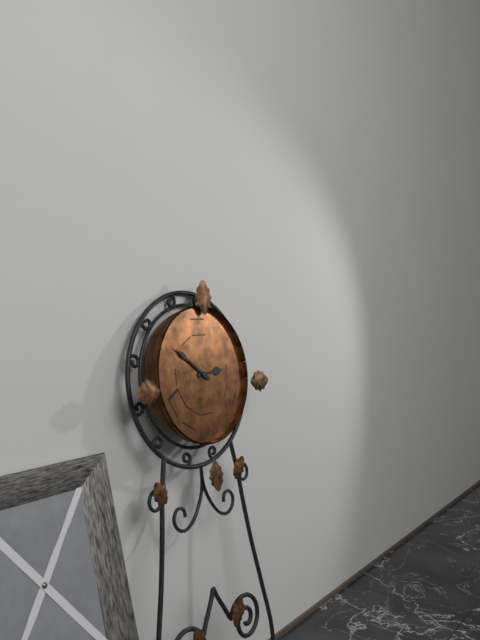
2:51
